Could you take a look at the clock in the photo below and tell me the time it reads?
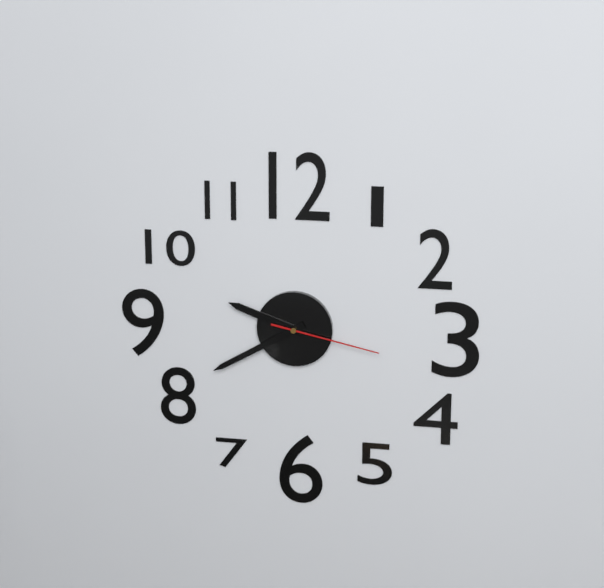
9:40:17
